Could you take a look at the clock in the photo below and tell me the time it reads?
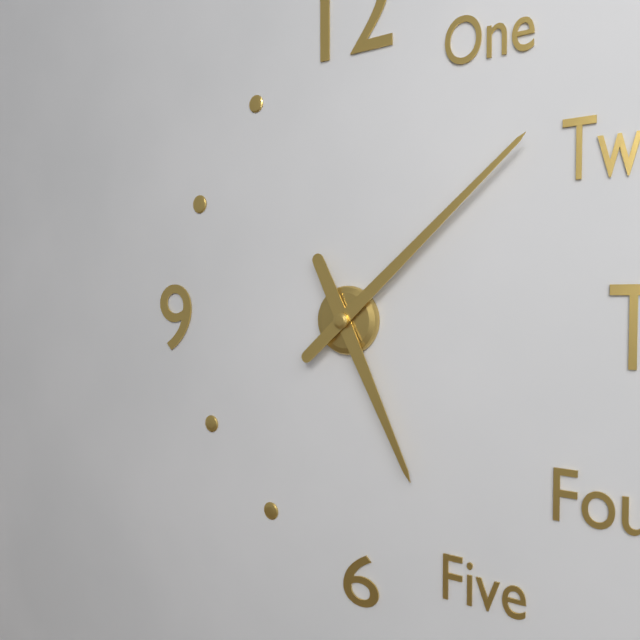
5:08
